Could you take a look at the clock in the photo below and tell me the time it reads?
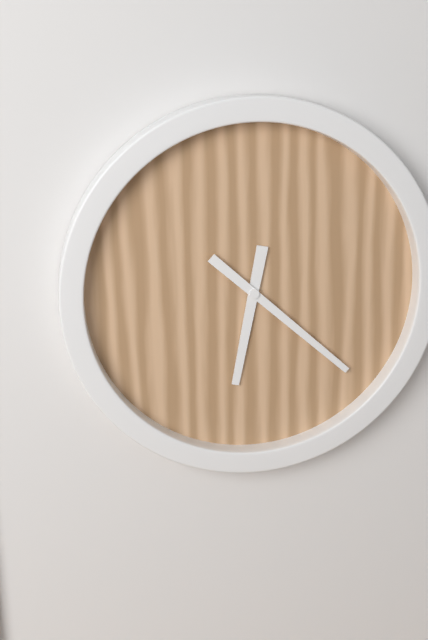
6:22
